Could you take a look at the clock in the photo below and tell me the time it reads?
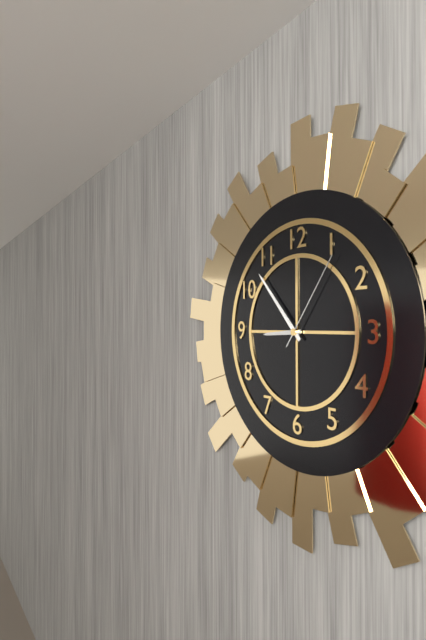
8:53:06
